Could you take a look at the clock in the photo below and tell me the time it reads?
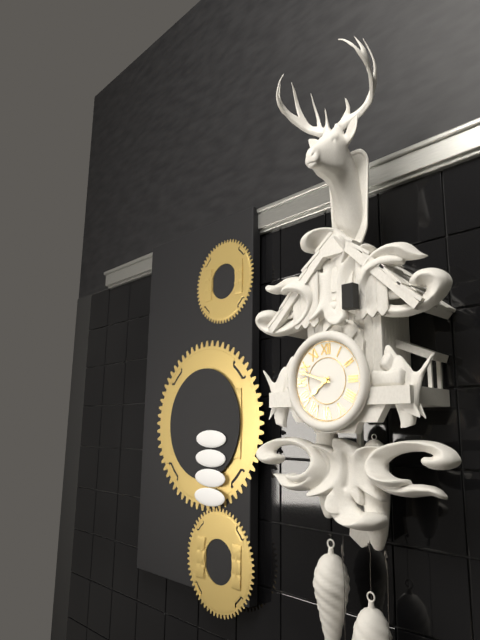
7:48
